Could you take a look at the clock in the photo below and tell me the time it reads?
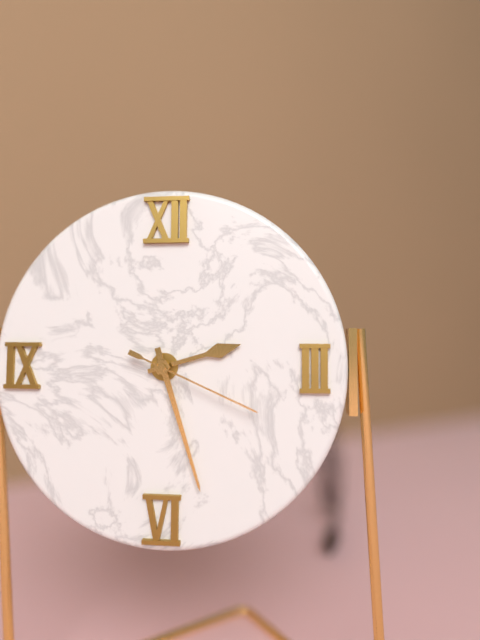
2:27:19
